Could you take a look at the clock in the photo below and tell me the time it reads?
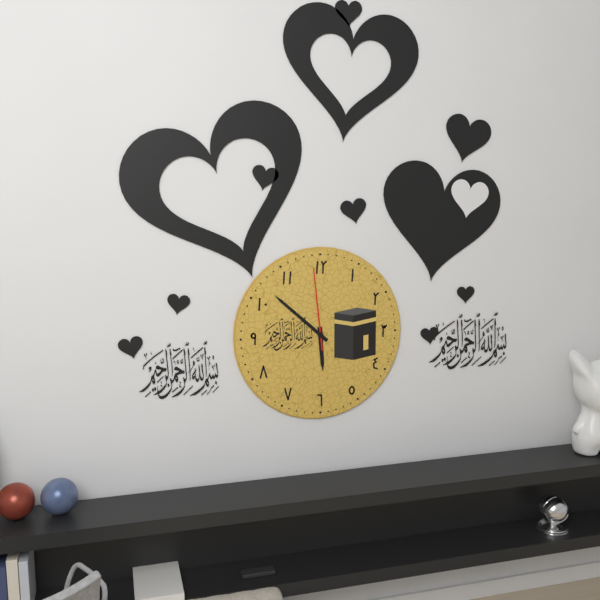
5:52:59
